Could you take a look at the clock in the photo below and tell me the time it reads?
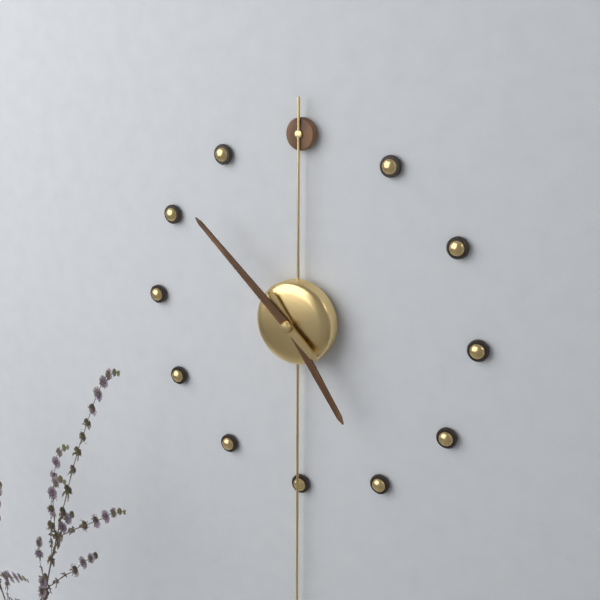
4:52
